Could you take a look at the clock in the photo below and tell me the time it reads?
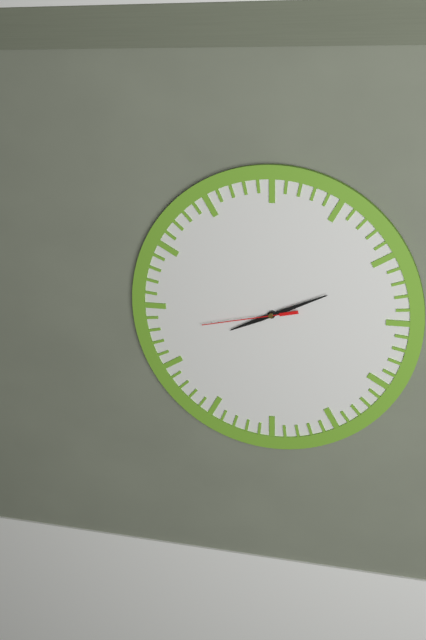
8:11:43
